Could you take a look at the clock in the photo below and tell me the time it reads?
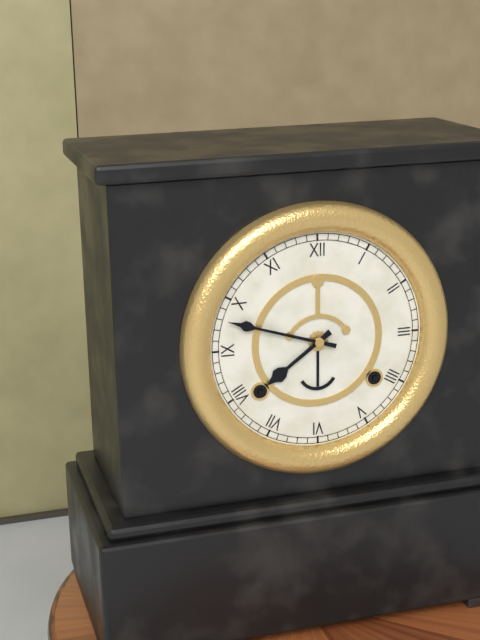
7:48
